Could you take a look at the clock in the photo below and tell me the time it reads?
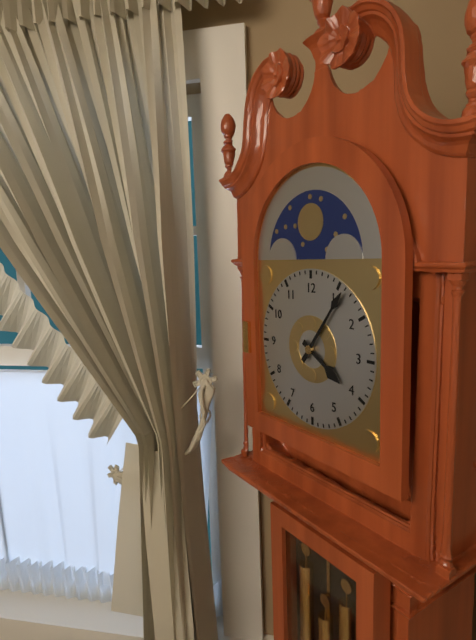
4:06
